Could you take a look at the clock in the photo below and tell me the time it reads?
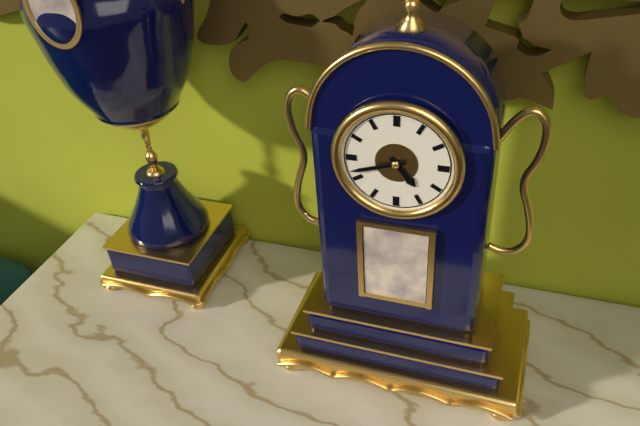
4:42
